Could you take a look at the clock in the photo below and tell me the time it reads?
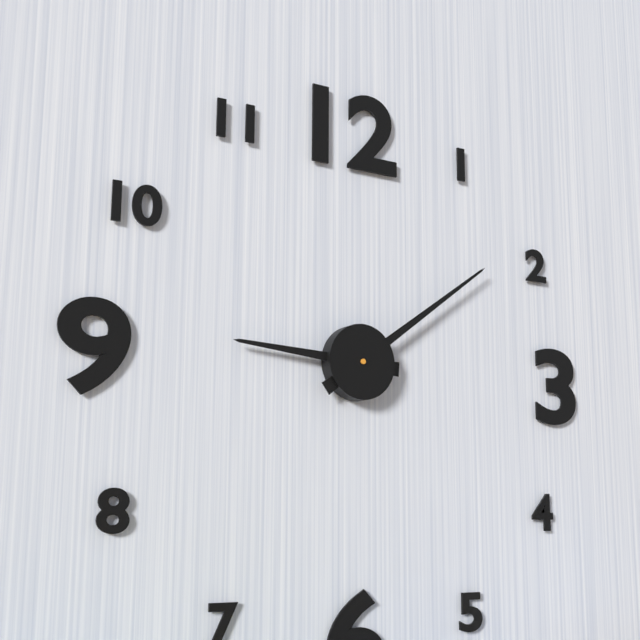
9:09
